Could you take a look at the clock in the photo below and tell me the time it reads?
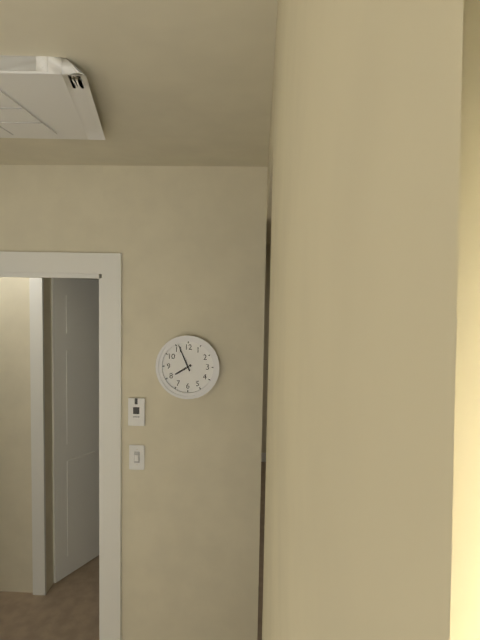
7:56
